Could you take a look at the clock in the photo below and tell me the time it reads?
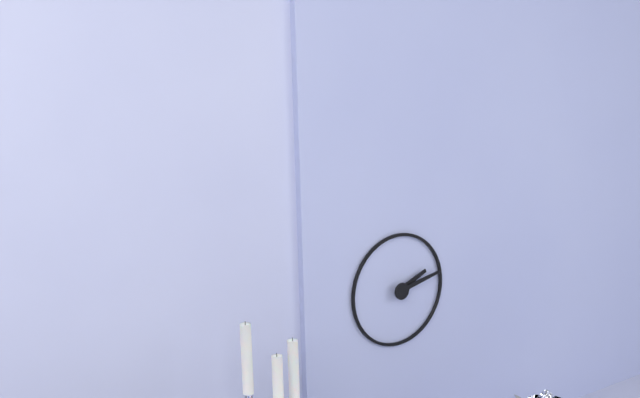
2:13
